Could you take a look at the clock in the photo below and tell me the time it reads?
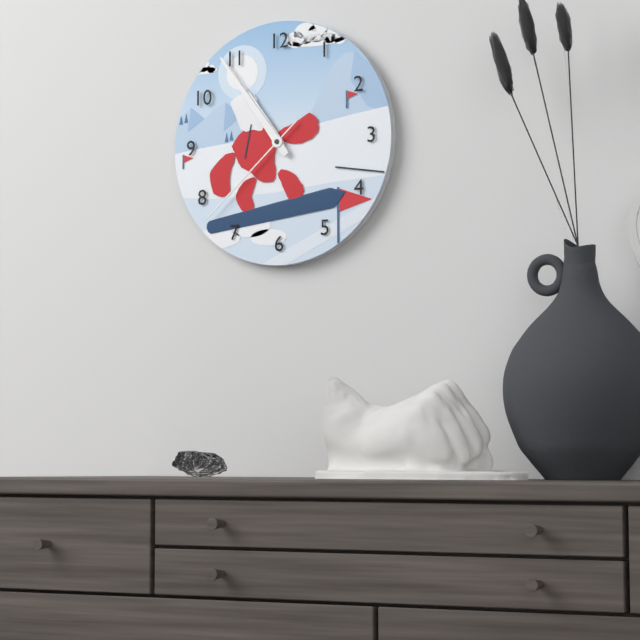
10:54:38
